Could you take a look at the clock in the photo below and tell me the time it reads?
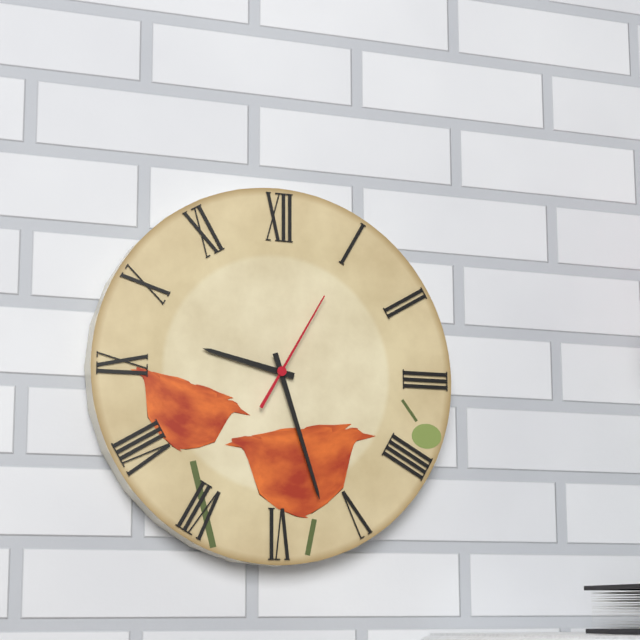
9:27:05
